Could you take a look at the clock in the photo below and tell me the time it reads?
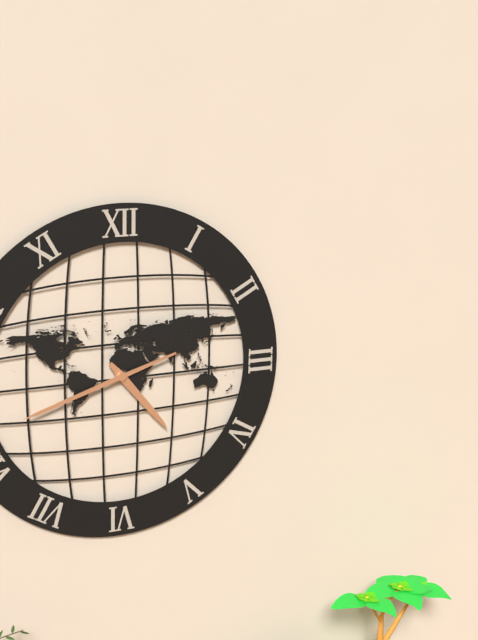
4:42
